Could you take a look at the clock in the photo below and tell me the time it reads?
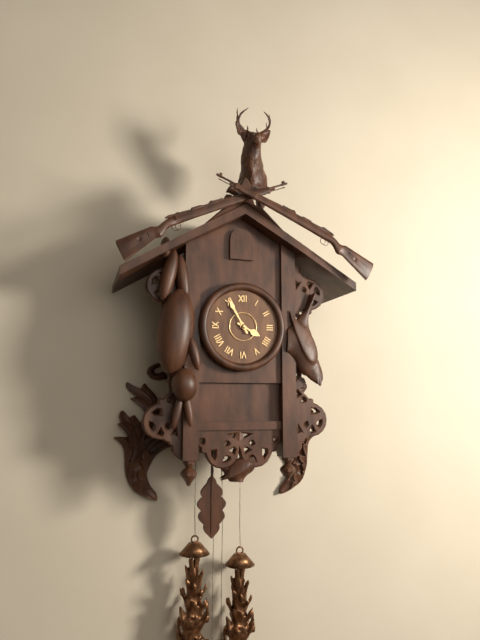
3:55
